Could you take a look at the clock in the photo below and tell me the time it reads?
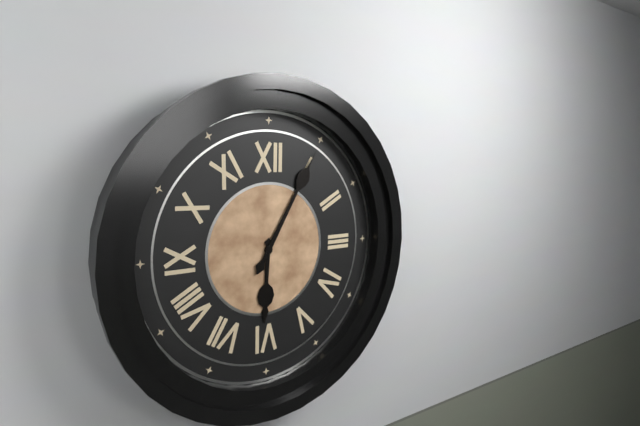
6:05
